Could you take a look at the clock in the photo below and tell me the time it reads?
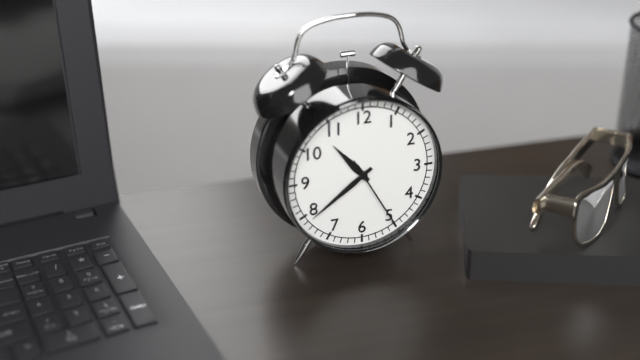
10:39:25
